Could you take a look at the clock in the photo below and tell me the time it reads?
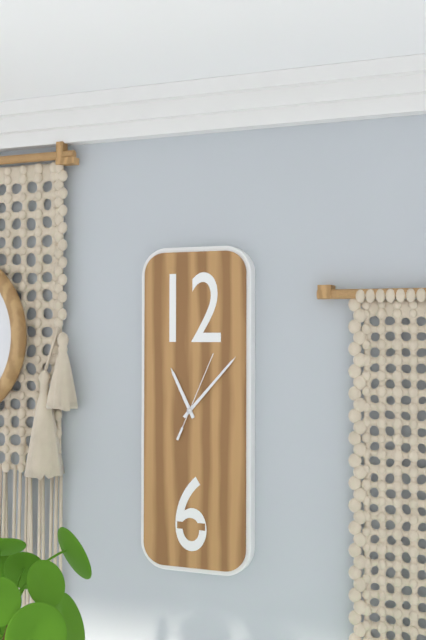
11:07:04
